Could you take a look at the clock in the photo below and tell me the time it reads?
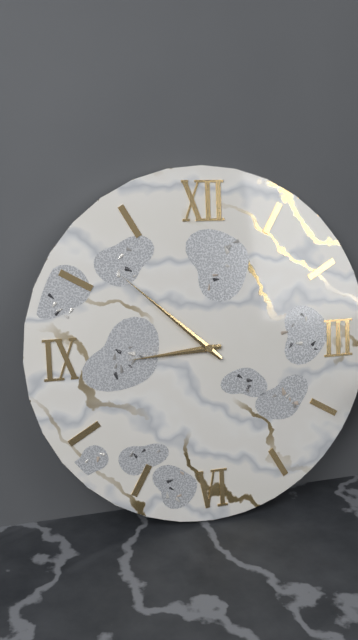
8:52
